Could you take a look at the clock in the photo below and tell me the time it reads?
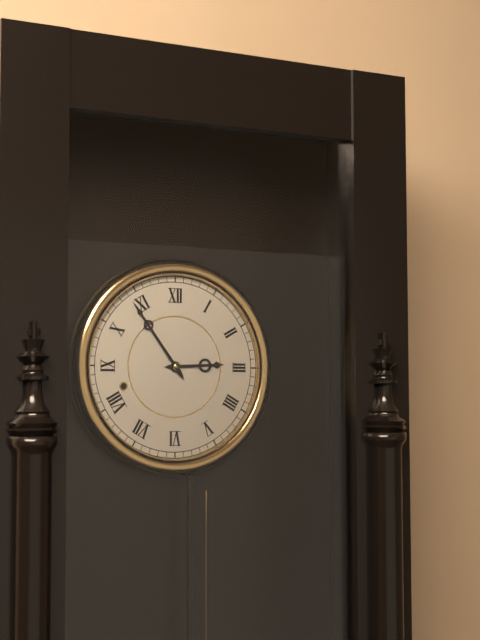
2:54
